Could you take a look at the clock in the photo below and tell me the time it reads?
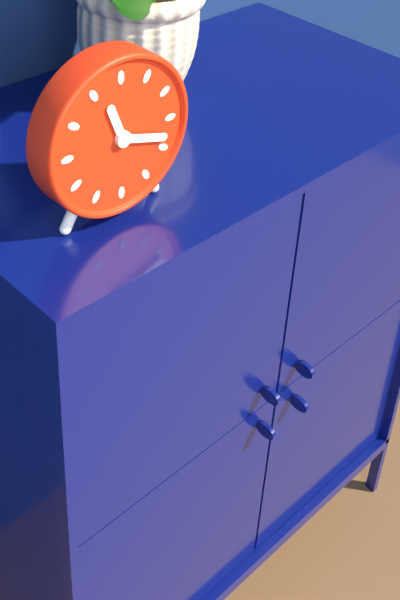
11:18
